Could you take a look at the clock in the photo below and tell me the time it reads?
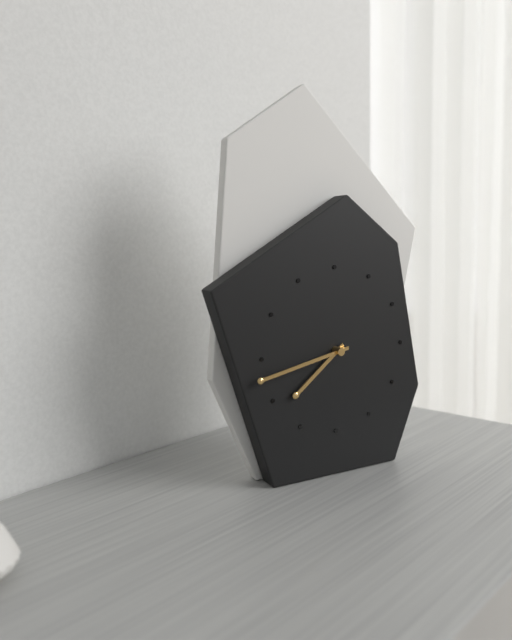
7:43
